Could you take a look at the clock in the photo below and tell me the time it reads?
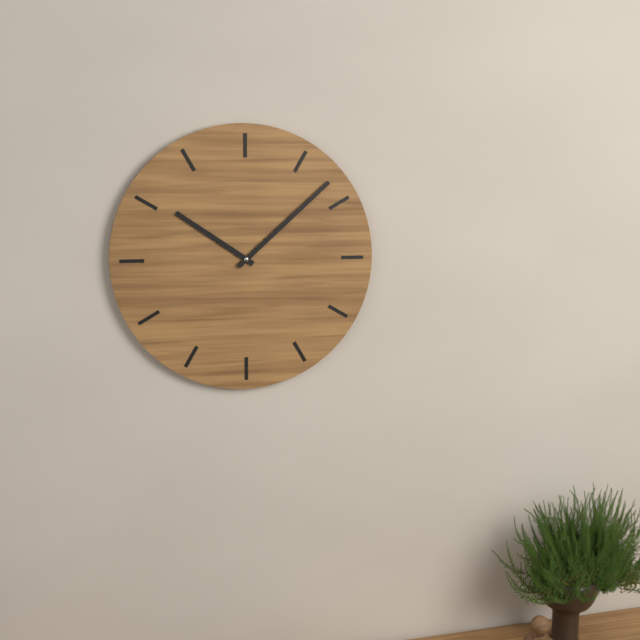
10:08
